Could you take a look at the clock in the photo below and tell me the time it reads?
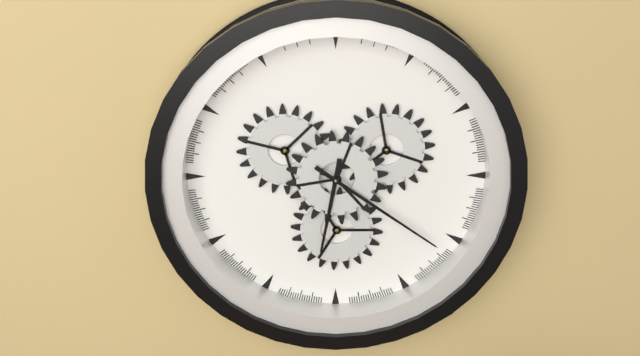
6:21
